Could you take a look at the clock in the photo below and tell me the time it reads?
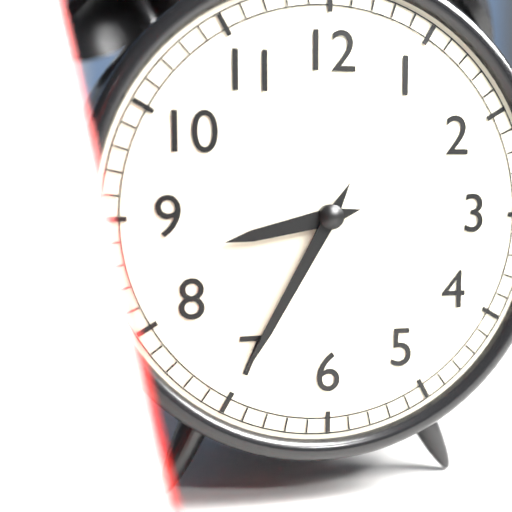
8:35
